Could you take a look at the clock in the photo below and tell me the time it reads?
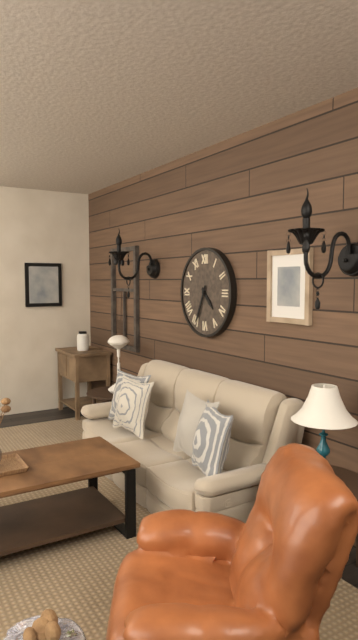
4:34
